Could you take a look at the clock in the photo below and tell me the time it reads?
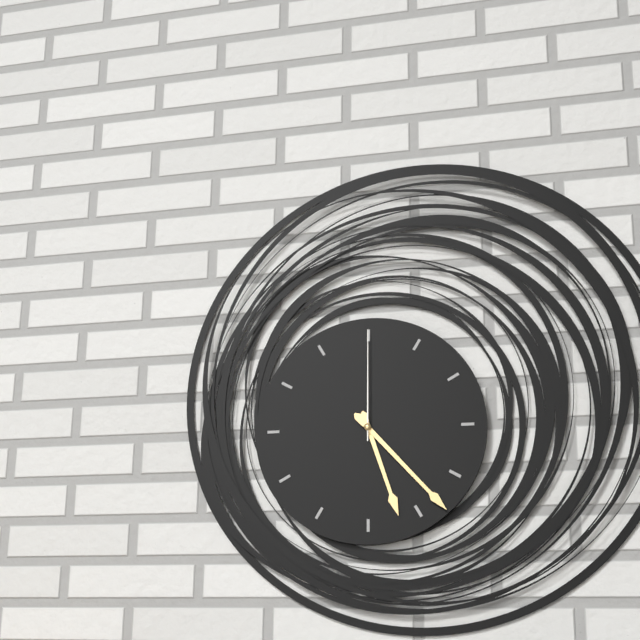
5:23:00
